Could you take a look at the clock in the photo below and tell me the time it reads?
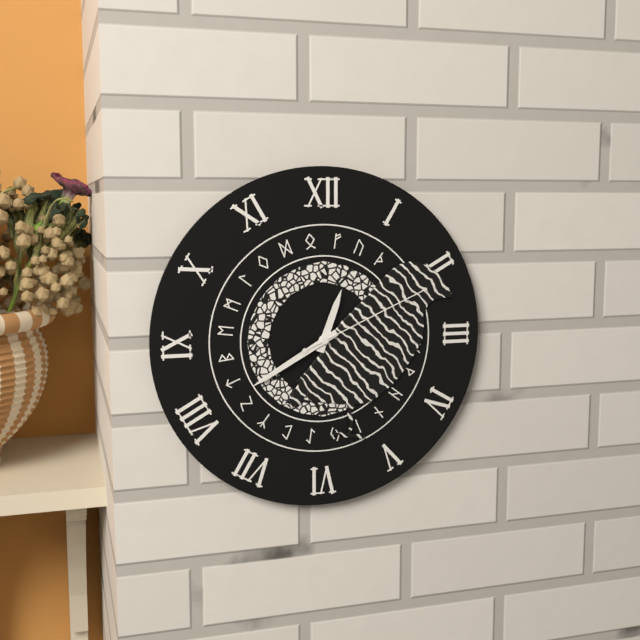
12:40:11
